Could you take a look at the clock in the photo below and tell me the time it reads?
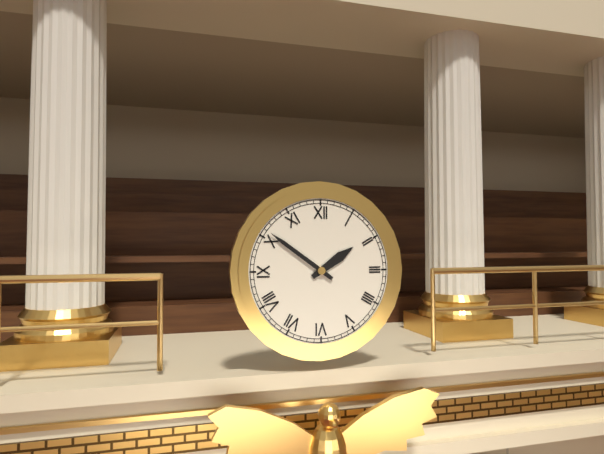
1:51
